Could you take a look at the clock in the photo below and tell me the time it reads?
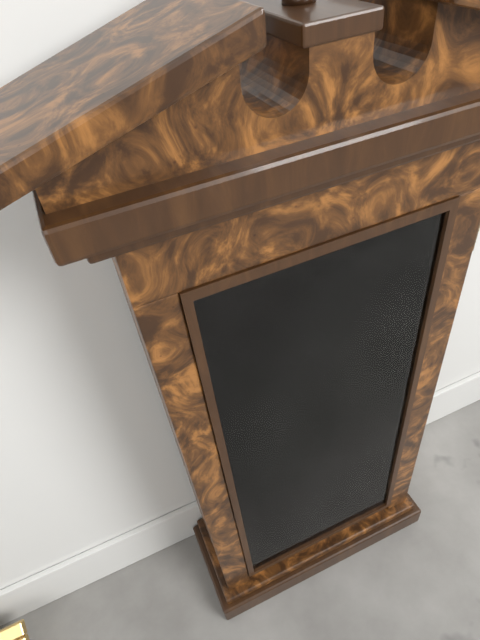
10:07
